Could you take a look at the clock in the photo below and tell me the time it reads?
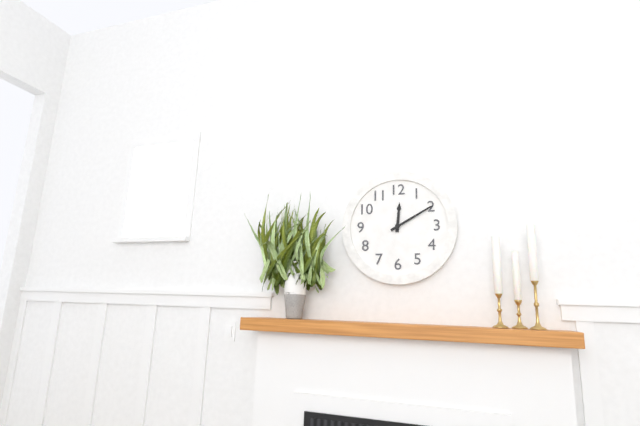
12:10
